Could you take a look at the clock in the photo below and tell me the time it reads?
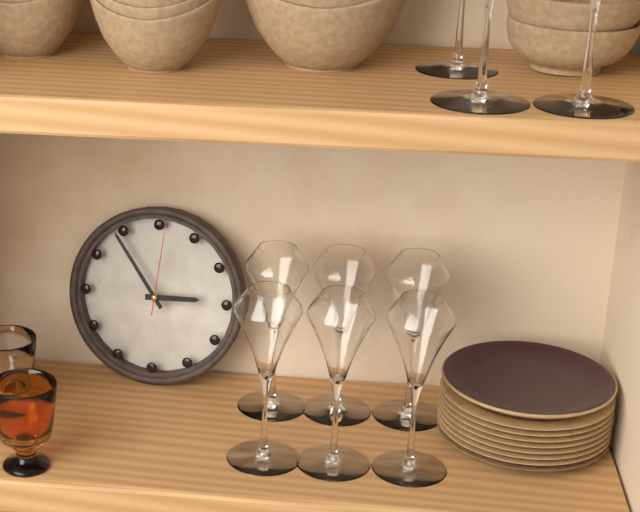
2:54:01
